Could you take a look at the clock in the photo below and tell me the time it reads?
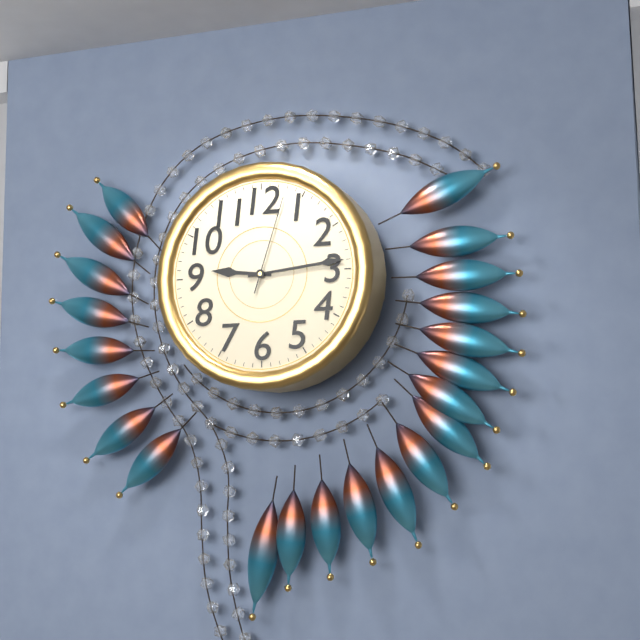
9:14:03
